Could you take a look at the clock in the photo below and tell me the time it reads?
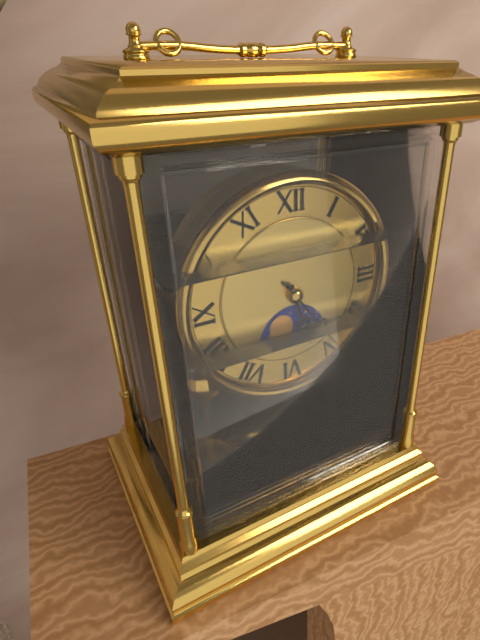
5:24
